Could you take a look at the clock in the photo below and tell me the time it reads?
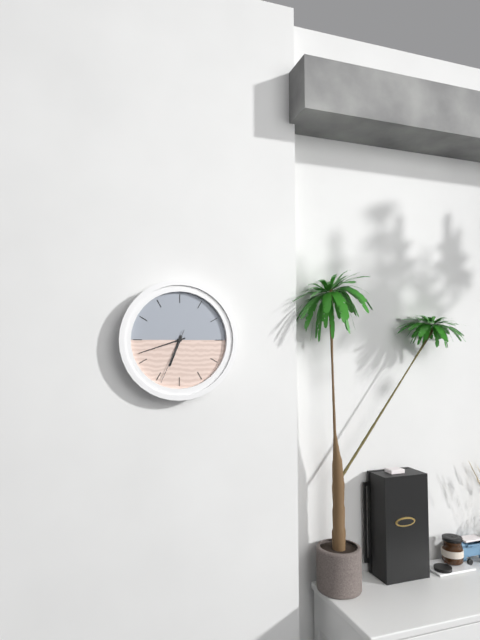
6:42:34
